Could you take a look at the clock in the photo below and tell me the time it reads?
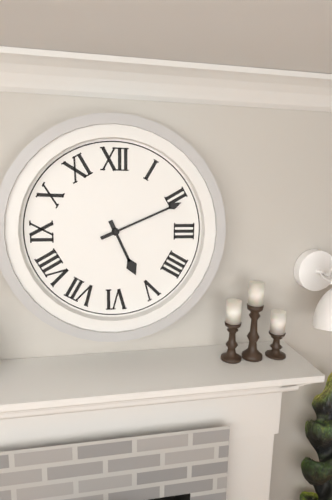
5:11
